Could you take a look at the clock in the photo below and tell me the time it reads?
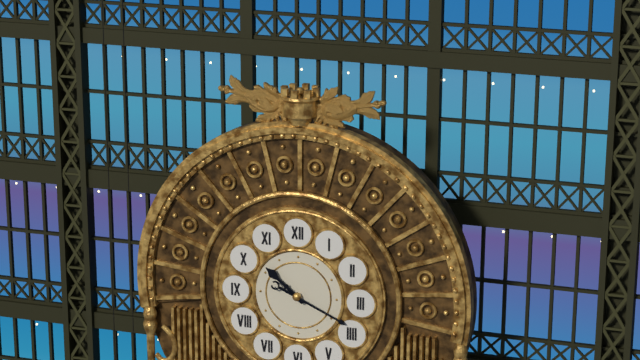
10:19
